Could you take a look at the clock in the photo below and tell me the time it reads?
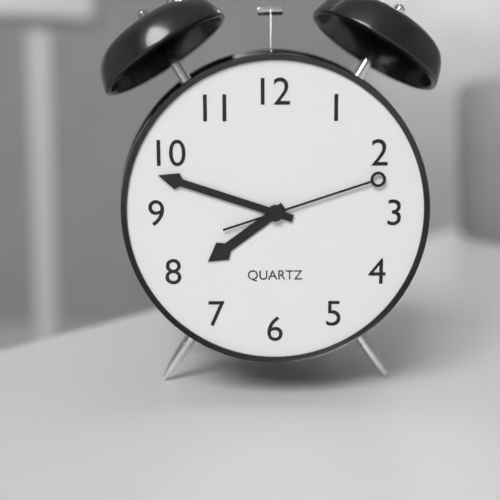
7:48:12
